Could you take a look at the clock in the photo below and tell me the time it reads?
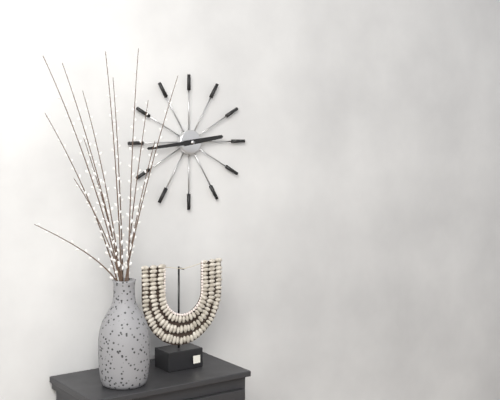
2:44
